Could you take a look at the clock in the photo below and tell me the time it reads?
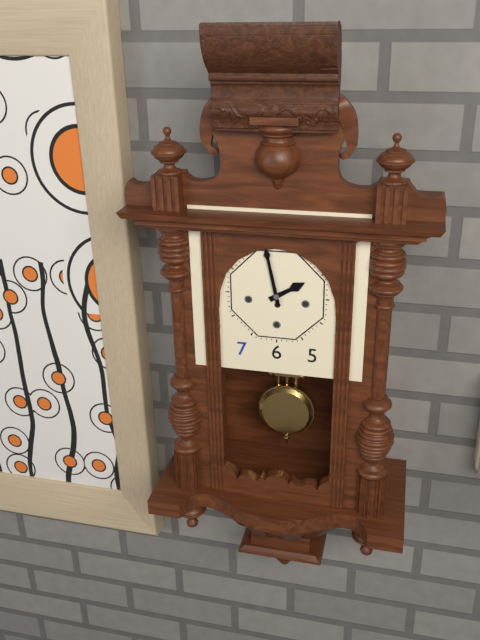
1:58
